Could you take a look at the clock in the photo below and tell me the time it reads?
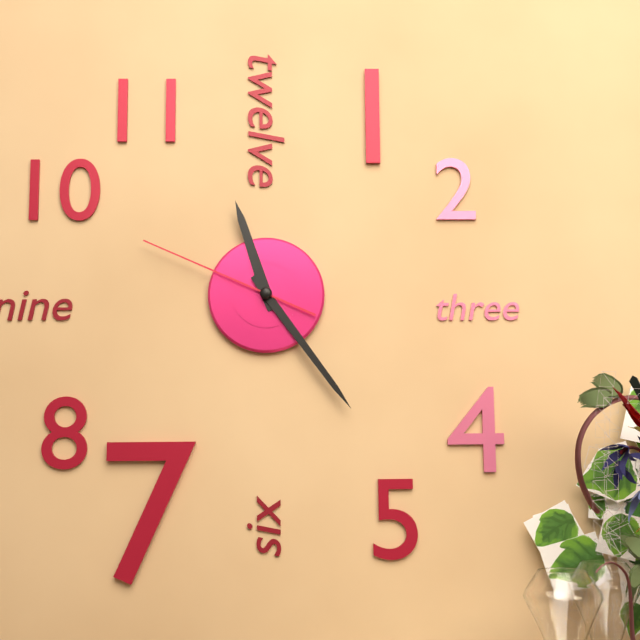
11:24:49
